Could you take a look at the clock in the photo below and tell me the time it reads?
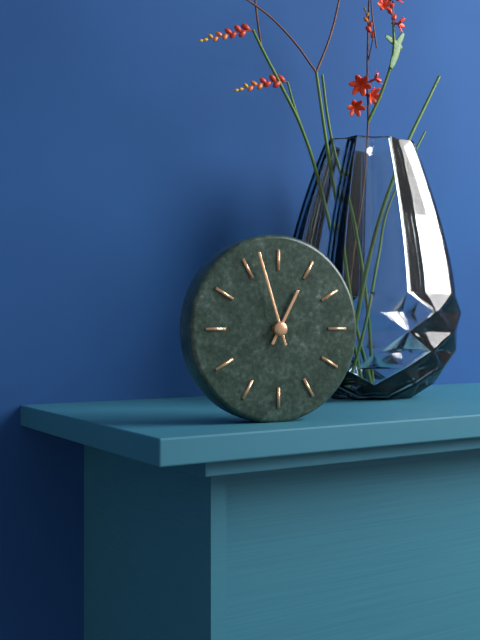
12:57
